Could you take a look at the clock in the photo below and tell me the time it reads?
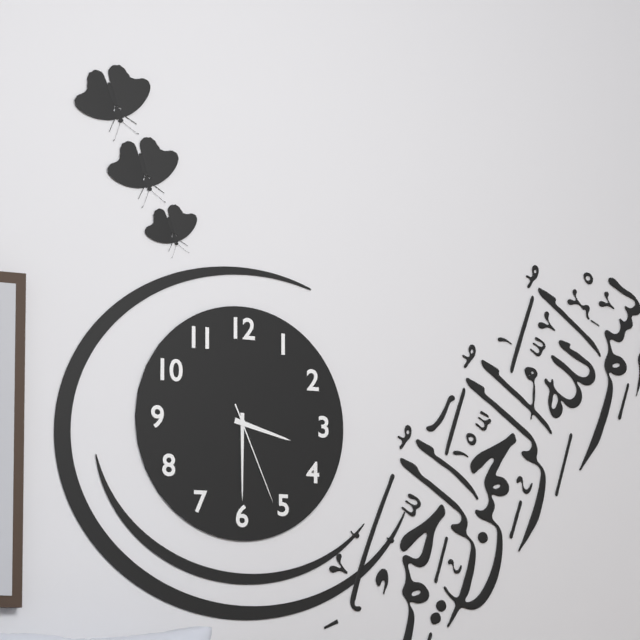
3:30:26
